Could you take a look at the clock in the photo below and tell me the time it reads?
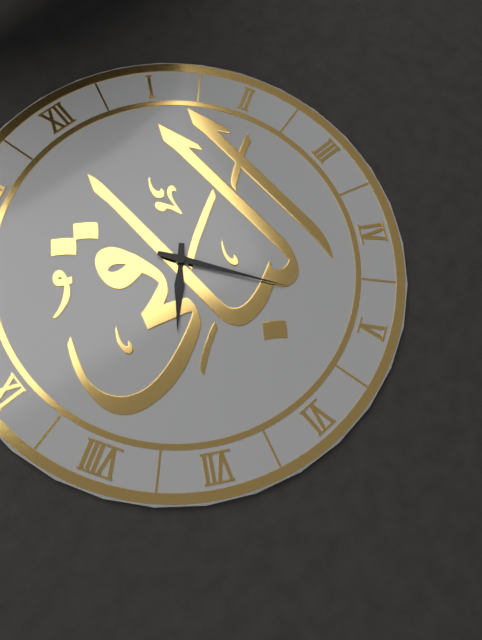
7:24
